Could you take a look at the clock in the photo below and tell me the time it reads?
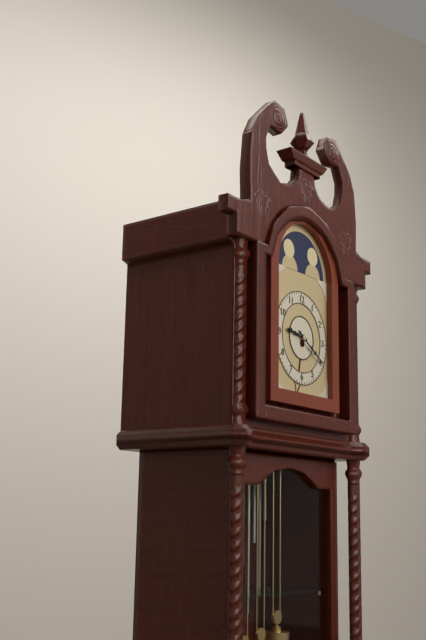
9:20
